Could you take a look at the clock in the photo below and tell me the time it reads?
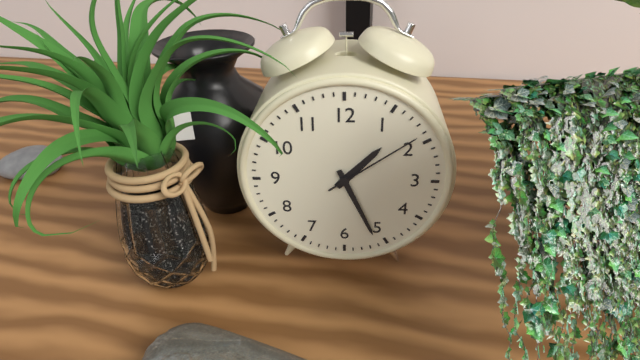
1:26:09
